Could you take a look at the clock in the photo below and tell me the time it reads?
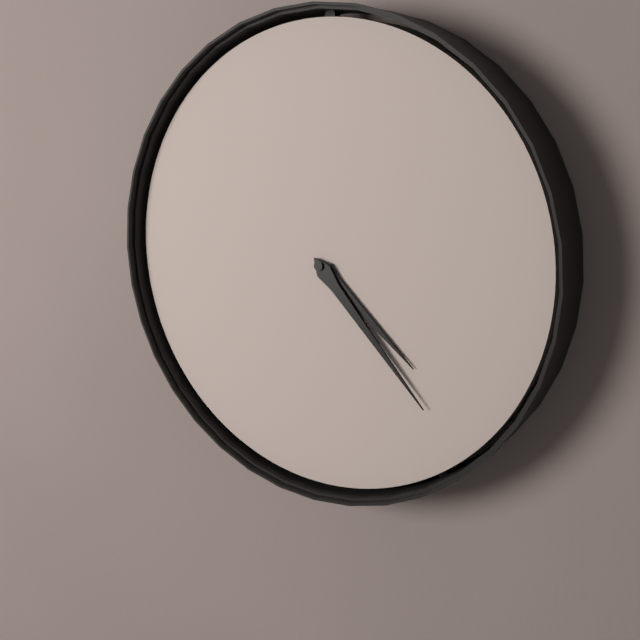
4:23
